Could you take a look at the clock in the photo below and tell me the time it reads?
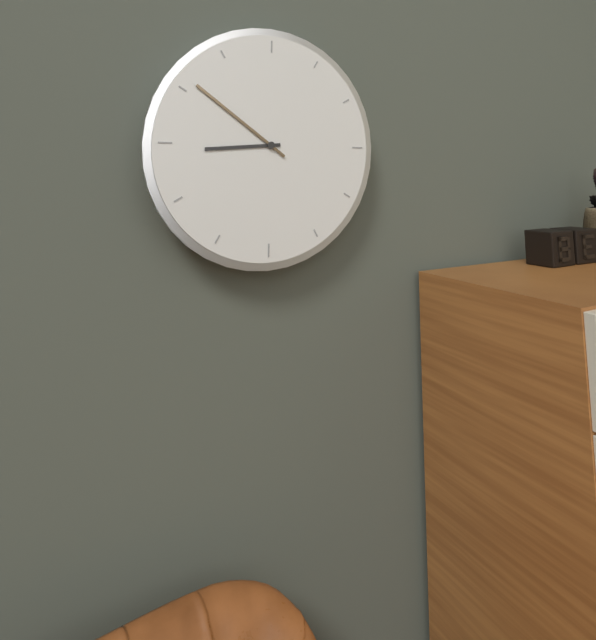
8:51
